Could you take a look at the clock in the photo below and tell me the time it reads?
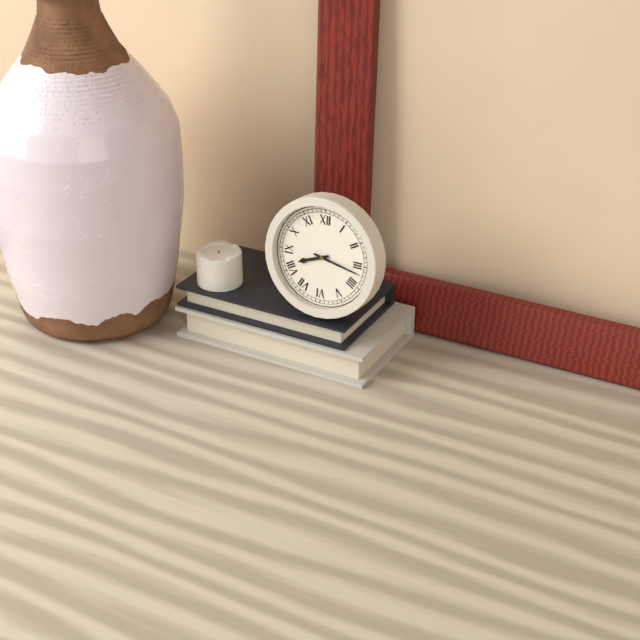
8:17
